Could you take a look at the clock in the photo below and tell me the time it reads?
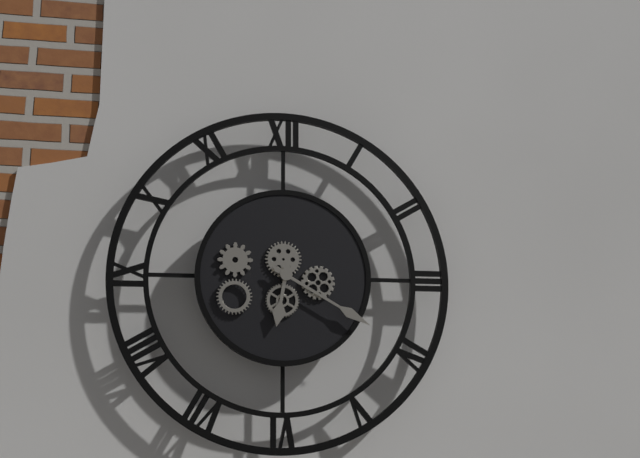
6:20
